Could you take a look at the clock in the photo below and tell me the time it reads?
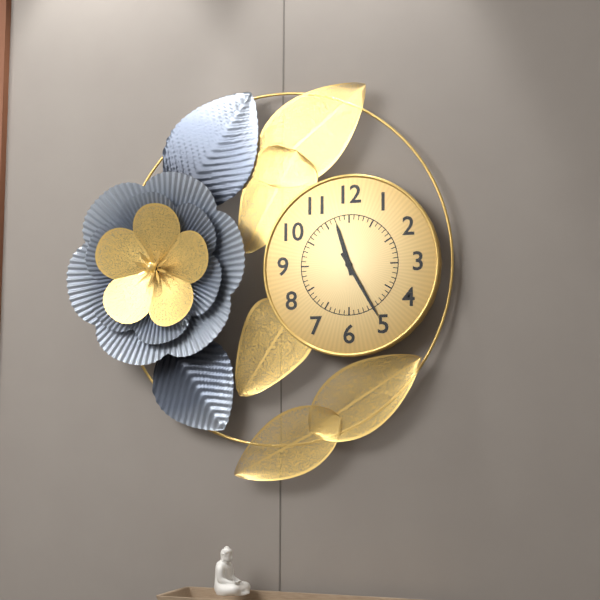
11:25
